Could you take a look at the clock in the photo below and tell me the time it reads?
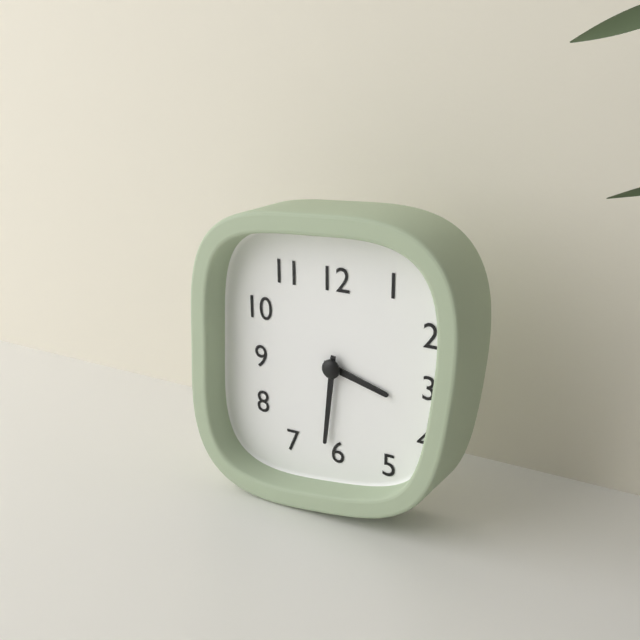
3:31
